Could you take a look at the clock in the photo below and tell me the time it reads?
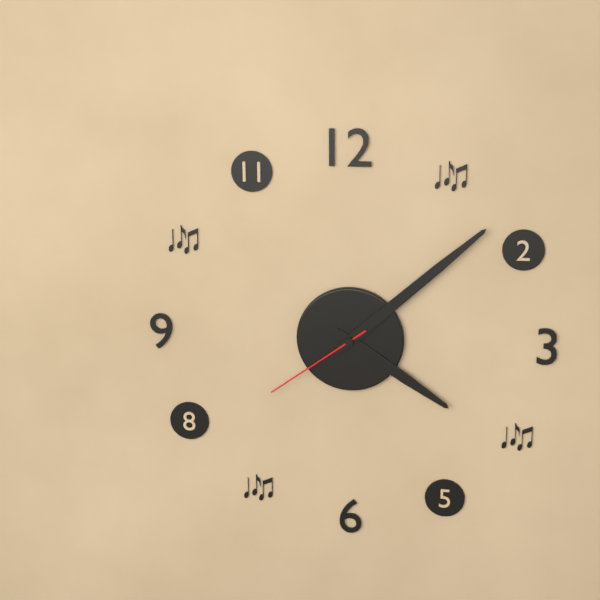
4:08:39
